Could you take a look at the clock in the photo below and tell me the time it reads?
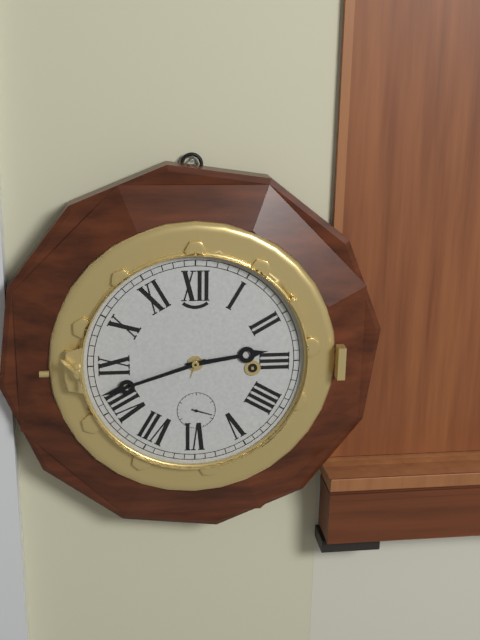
2:42
